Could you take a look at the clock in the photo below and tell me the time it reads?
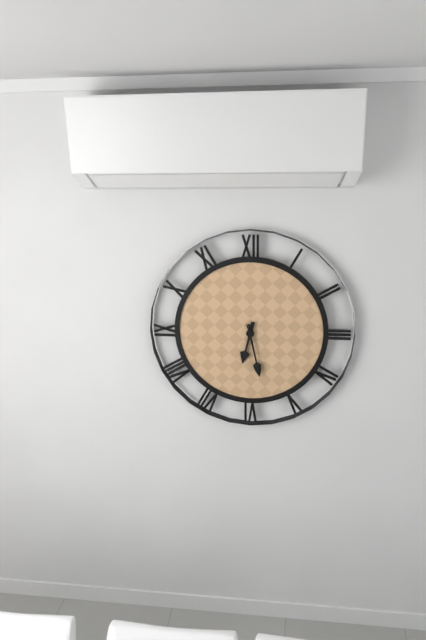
6:28
